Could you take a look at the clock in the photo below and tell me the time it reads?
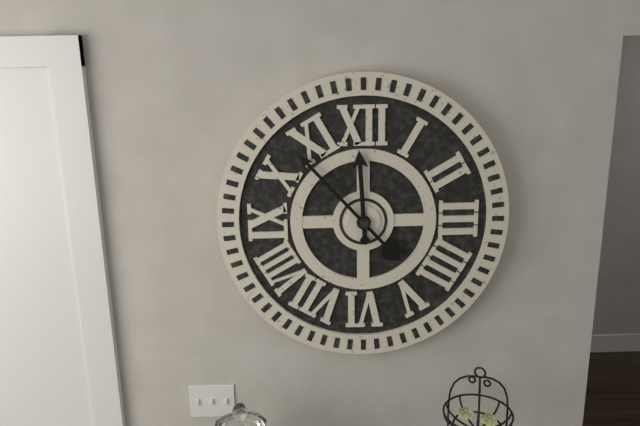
11:53
